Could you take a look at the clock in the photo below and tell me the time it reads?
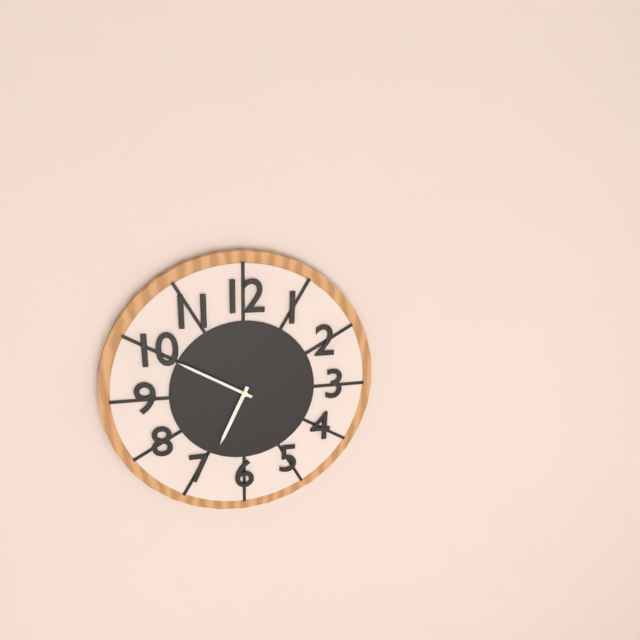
6:50
